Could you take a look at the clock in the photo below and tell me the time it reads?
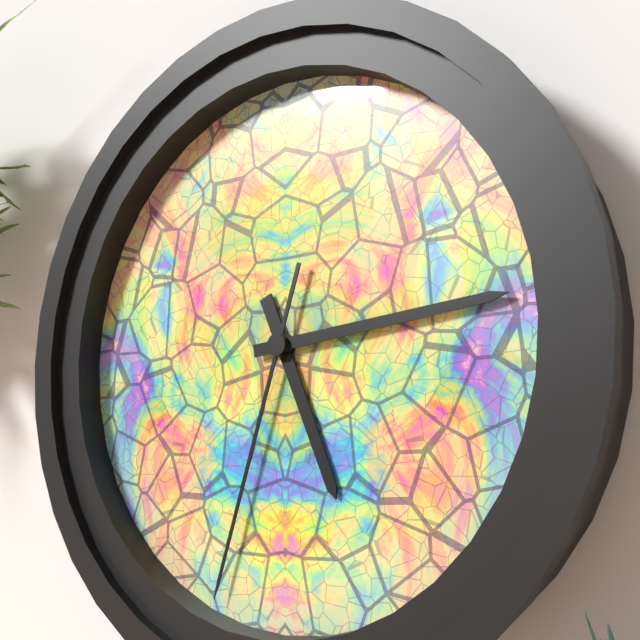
5:14:33
